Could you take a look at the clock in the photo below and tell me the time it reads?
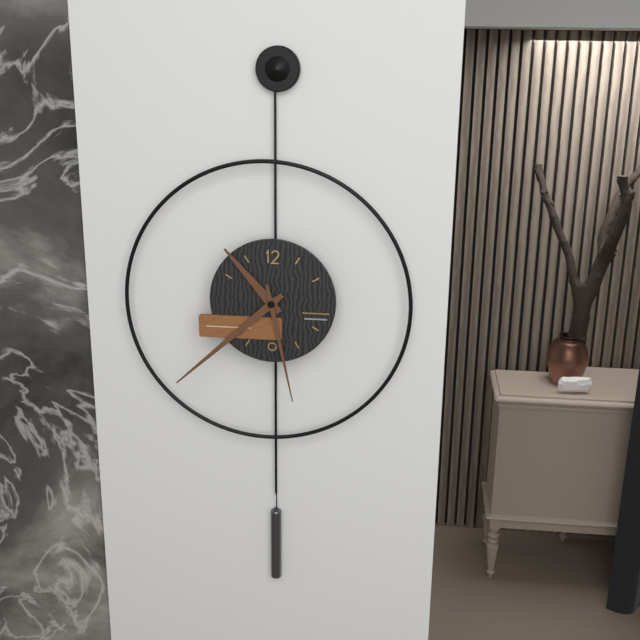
10:38:28
